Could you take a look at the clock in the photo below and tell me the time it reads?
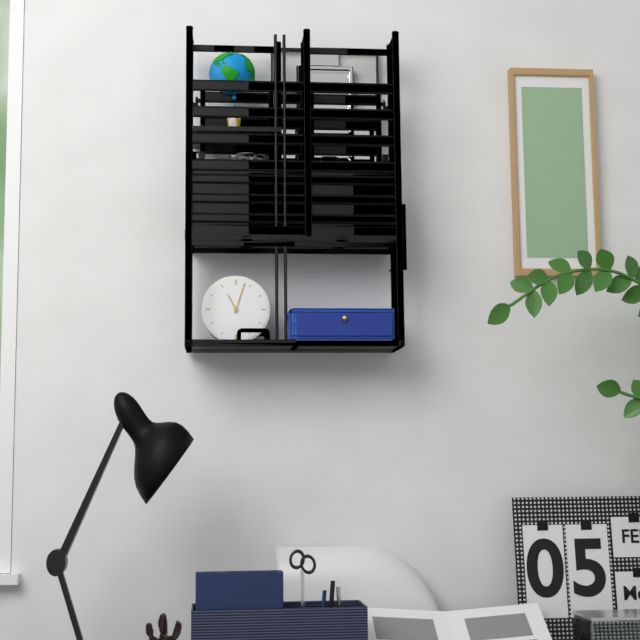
11:03
